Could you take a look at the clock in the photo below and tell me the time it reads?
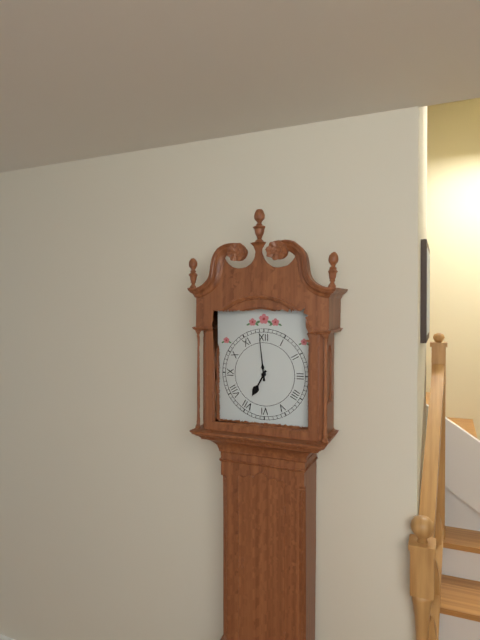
6:59
